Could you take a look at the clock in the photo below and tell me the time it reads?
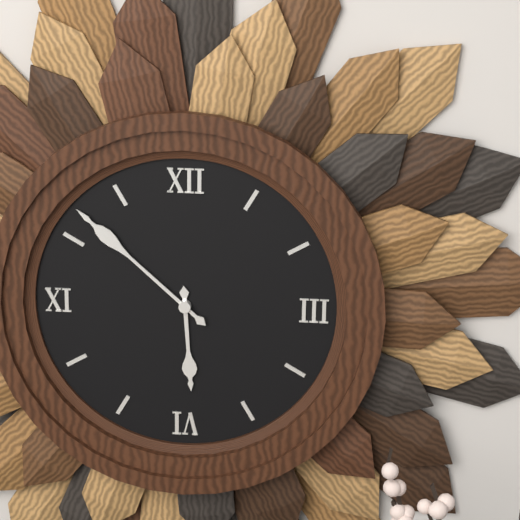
5:52
